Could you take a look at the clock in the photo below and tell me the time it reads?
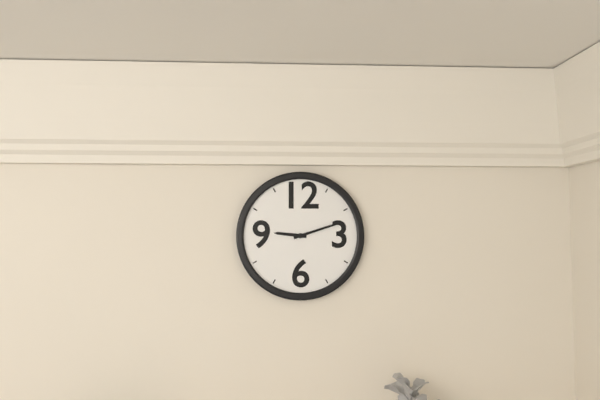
9:12
